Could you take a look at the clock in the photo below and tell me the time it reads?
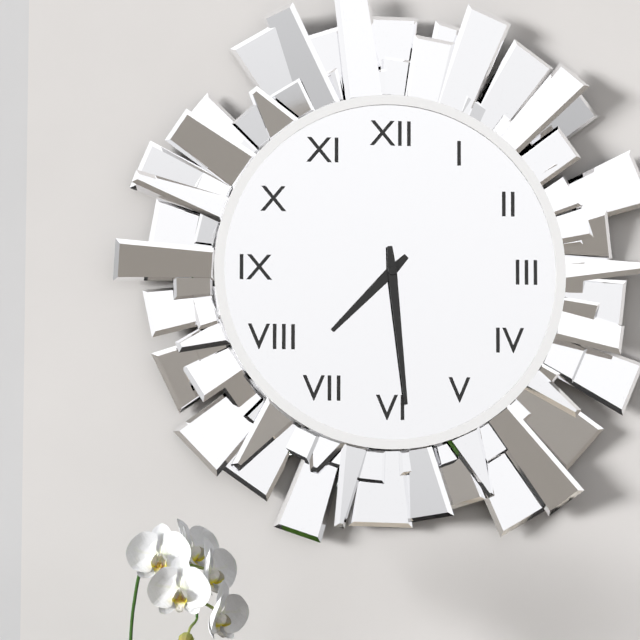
7:29
